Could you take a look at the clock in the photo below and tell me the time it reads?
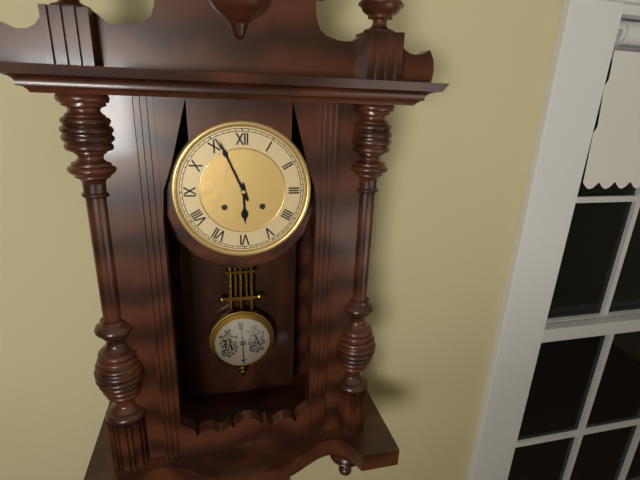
5:56
